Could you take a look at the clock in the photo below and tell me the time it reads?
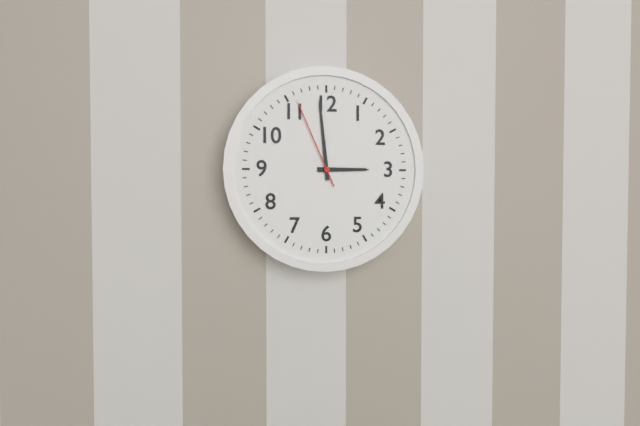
2:59:56
